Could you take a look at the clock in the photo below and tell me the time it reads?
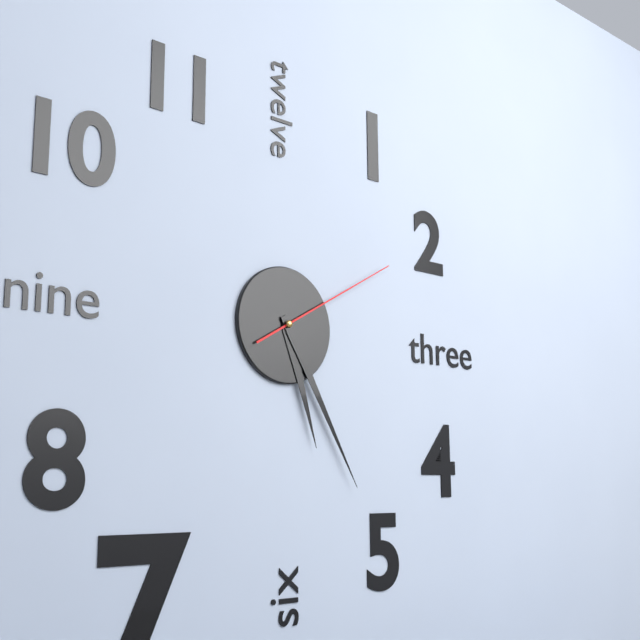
5:25:10
